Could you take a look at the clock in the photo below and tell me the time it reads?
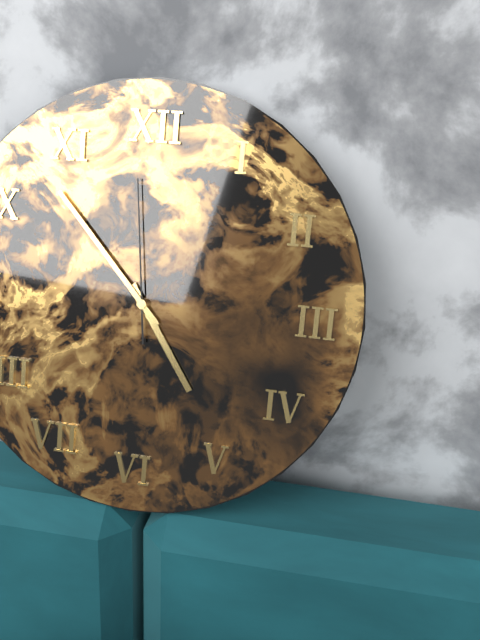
4:53:59
